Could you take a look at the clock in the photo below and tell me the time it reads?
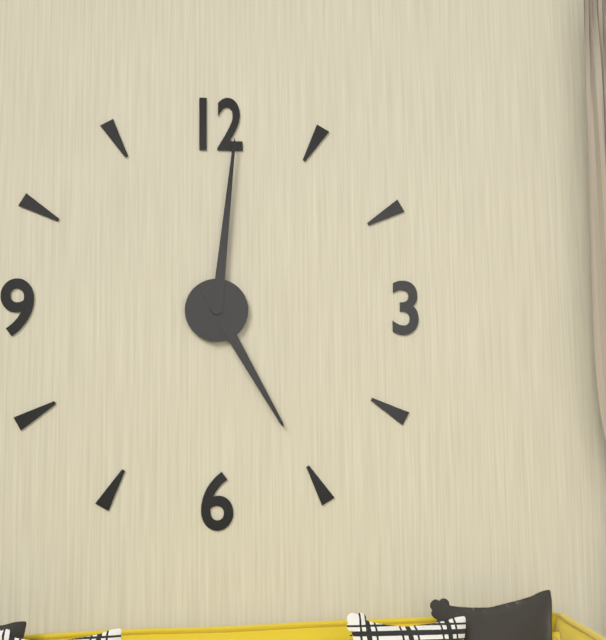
5:01
